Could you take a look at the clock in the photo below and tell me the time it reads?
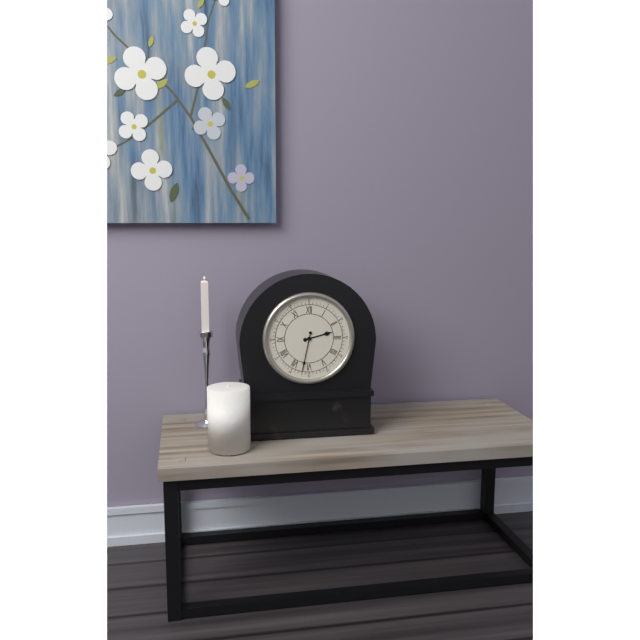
2:32
